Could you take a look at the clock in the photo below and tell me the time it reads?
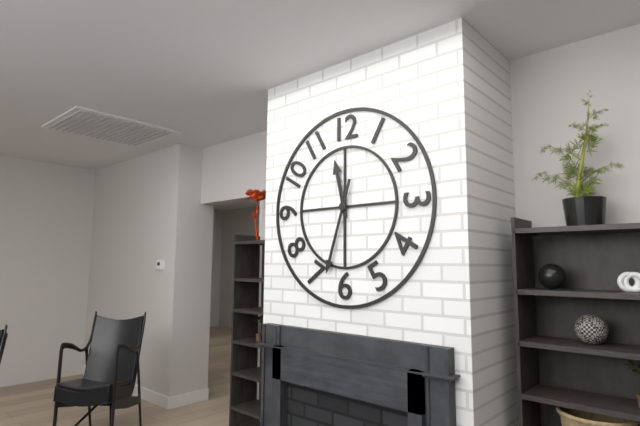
11:33
